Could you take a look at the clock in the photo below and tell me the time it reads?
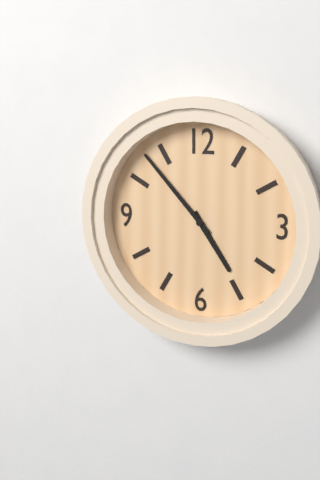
4:53
